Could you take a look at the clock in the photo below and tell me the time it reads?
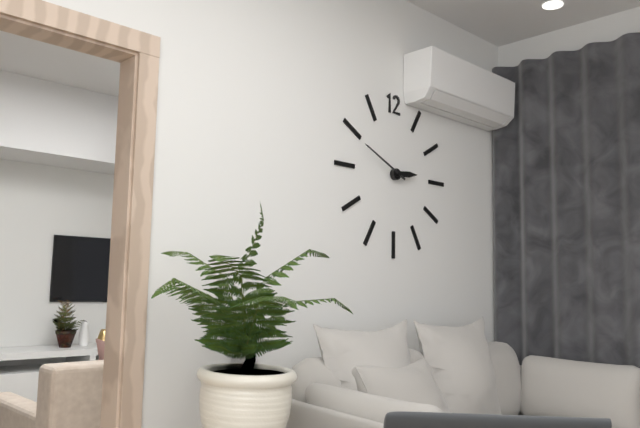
2:49
